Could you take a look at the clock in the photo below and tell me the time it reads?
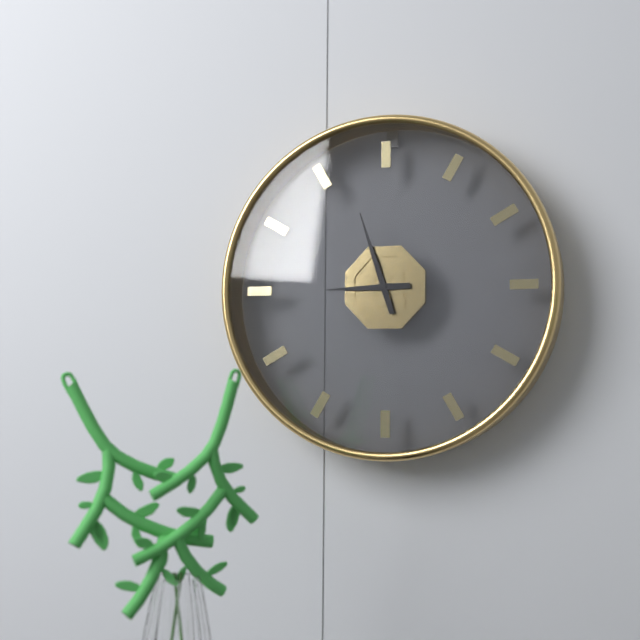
8:57
